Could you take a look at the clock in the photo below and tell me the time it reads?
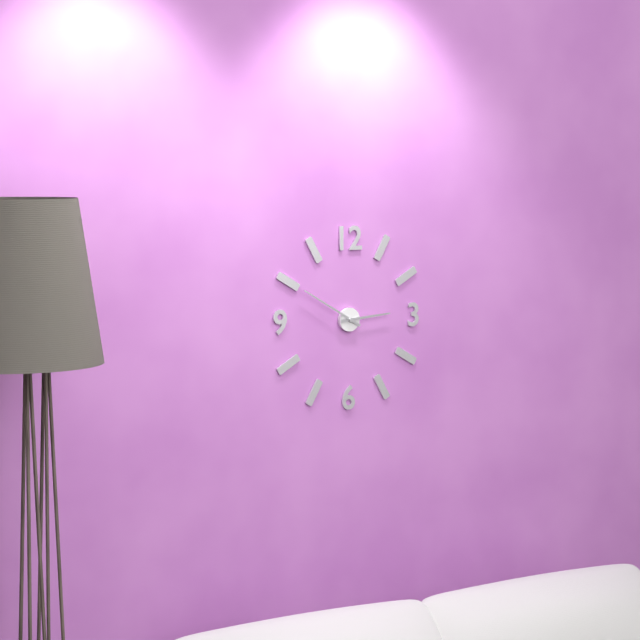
2:50
